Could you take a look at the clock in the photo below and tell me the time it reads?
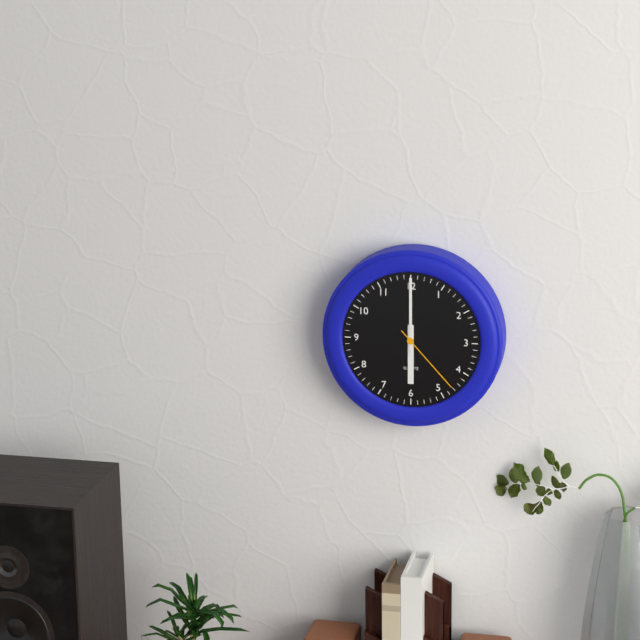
6:00:23
